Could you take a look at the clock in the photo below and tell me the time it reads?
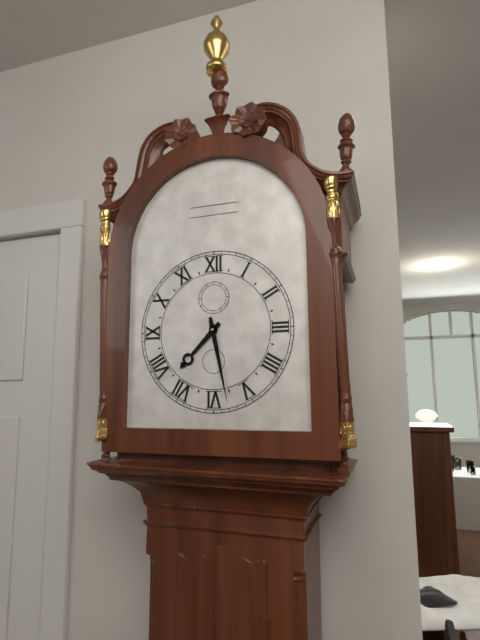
7:28
